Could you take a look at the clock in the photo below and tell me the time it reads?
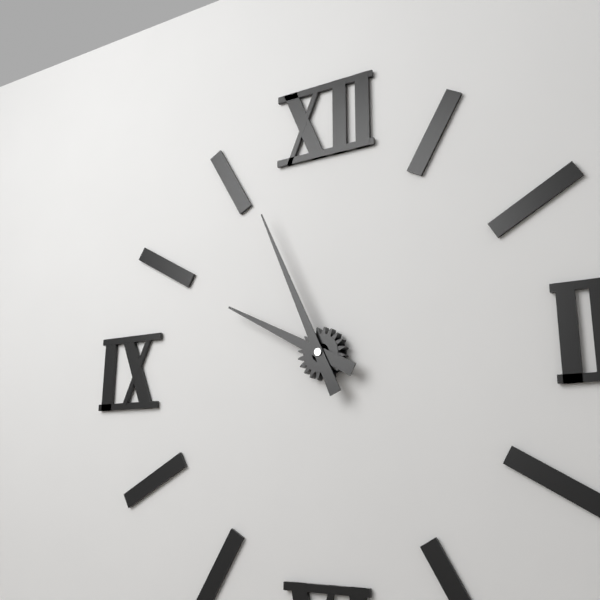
9:56
